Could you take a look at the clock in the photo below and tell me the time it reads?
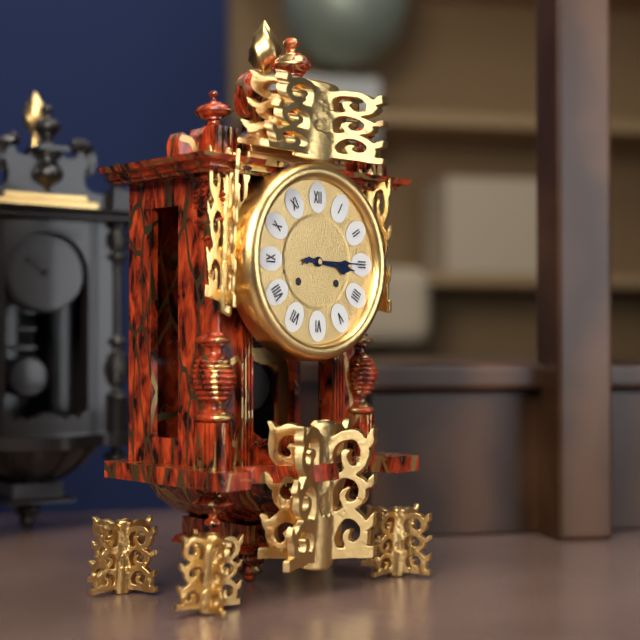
3:15
